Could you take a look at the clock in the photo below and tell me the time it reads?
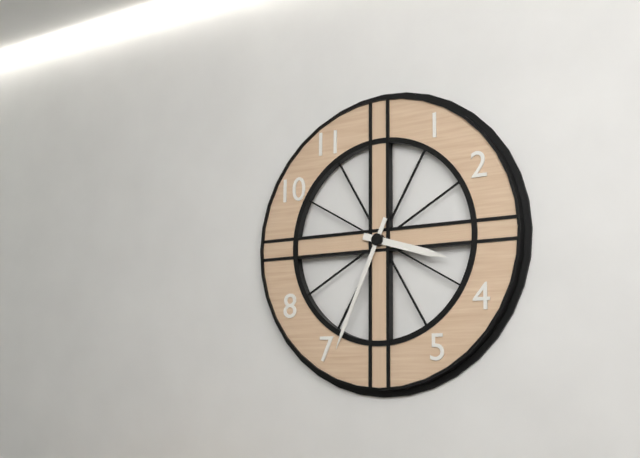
3:34
